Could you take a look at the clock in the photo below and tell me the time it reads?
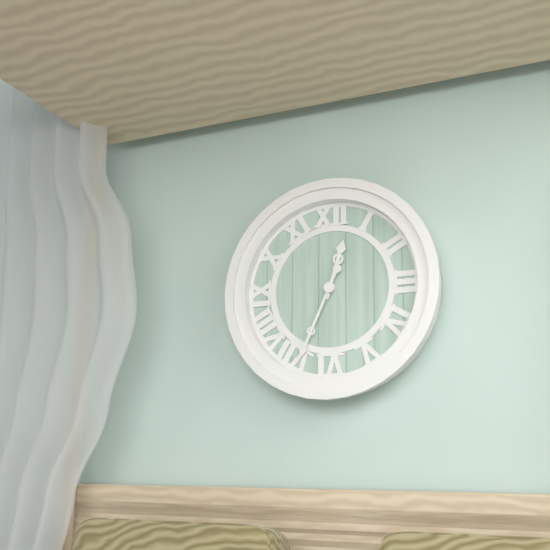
12:34
